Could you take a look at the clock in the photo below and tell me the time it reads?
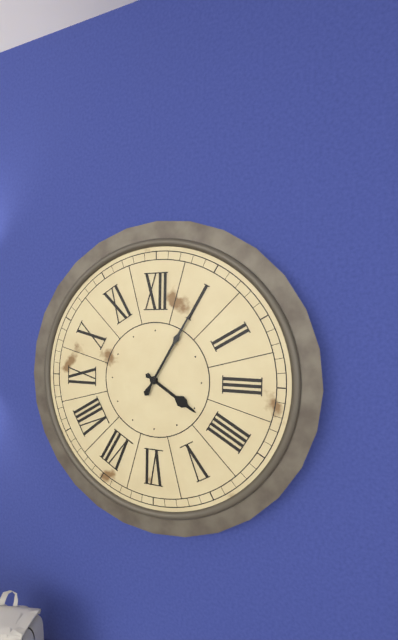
4:05
